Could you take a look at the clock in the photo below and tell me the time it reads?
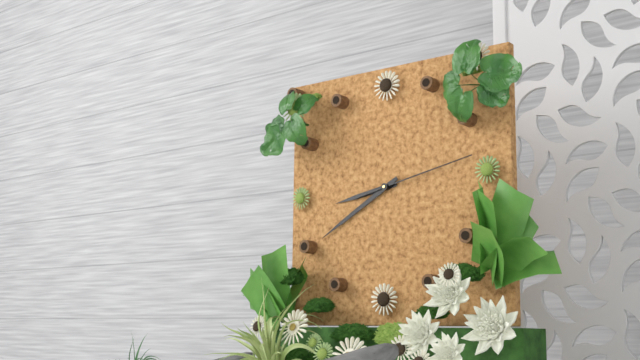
8:40:13
